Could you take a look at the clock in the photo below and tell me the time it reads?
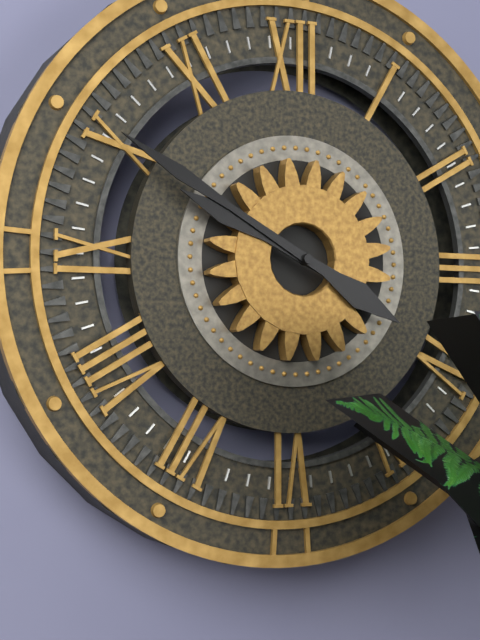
9:50
